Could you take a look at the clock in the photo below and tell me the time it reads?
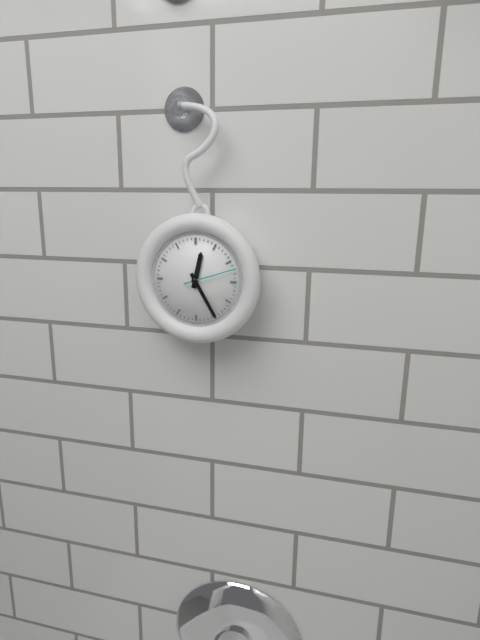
12:25:12
